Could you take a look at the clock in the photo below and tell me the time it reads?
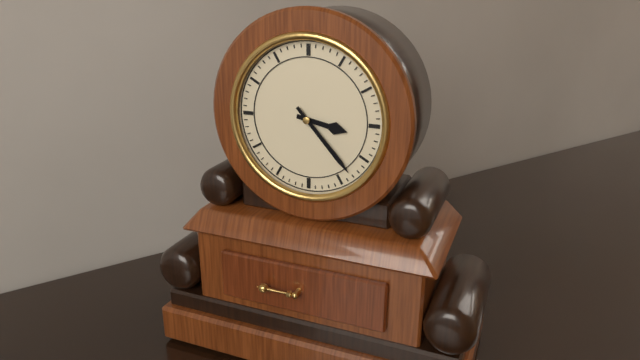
3:23
